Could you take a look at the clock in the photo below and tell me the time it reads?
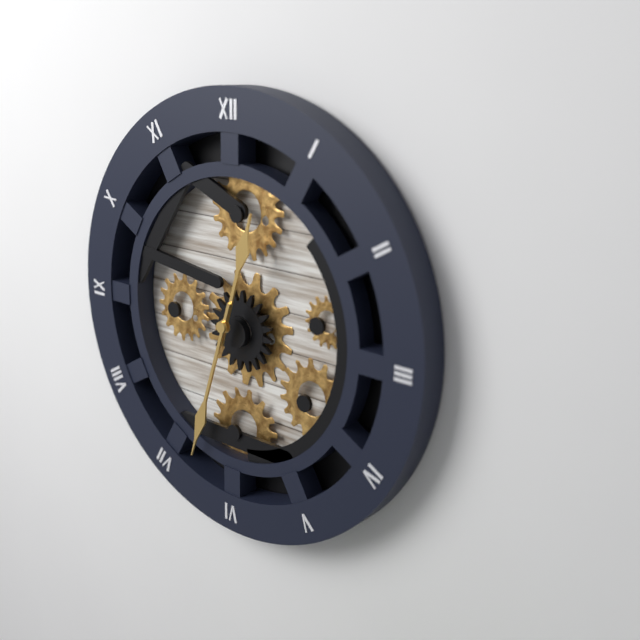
12:33
